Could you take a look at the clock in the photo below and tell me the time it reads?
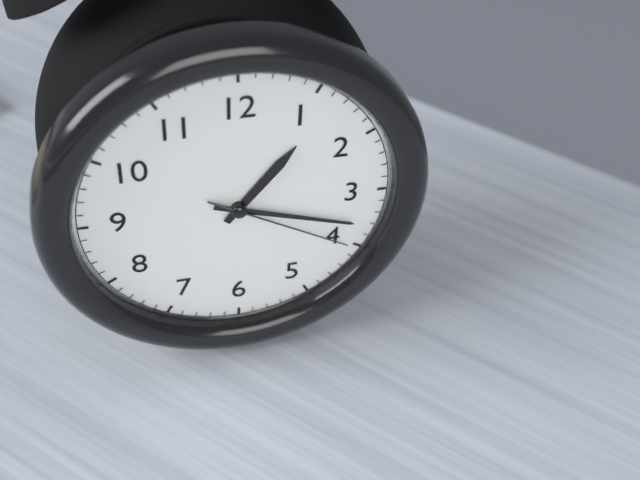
1:18:20
